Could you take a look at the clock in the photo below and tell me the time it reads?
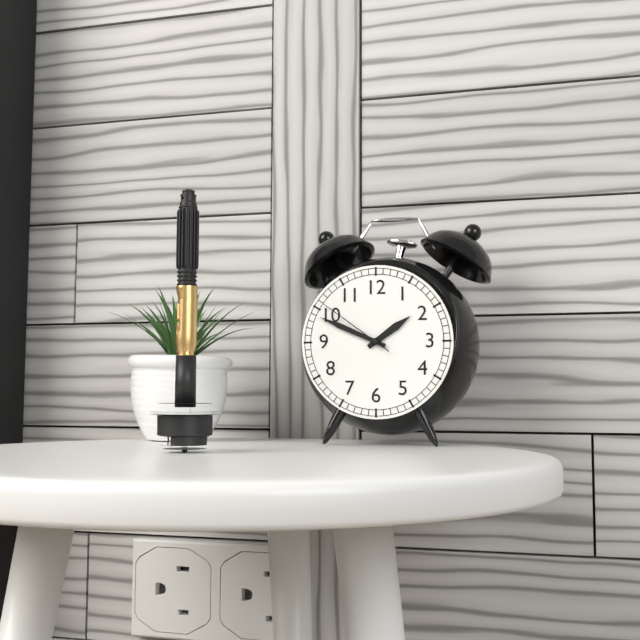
1:49:51
